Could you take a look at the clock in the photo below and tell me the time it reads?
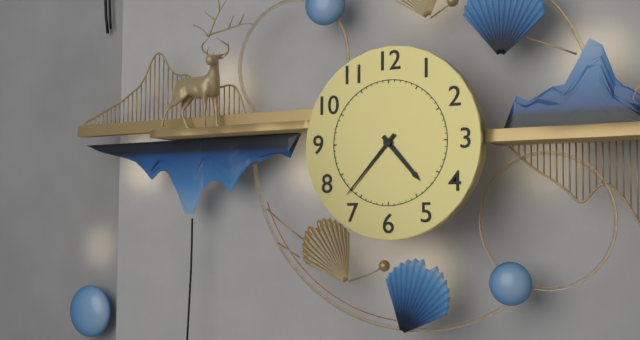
4:37
